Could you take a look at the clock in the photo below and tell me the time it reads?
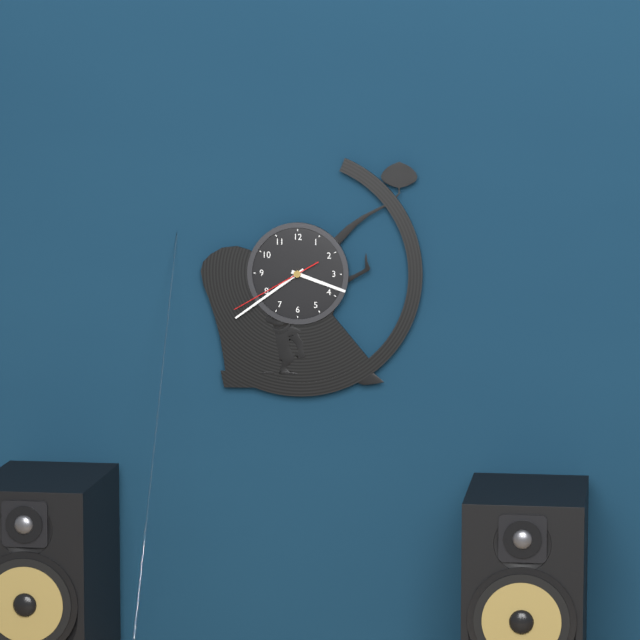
3:39:40
